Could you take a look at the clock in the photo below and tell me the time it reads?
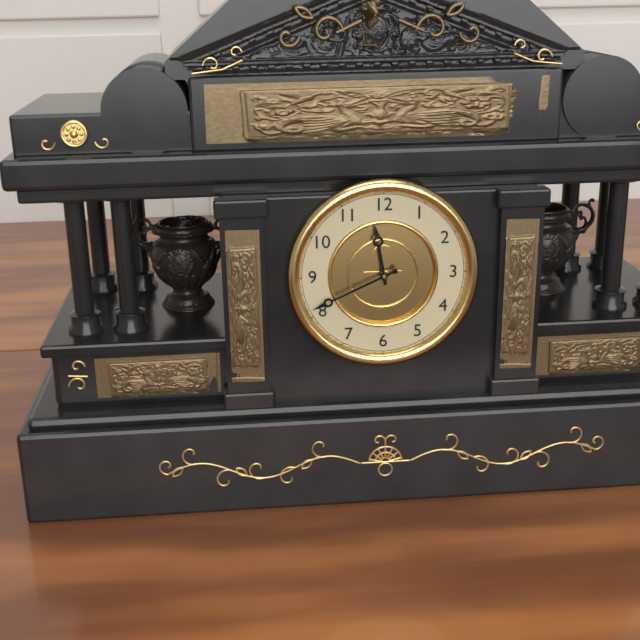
11:41
